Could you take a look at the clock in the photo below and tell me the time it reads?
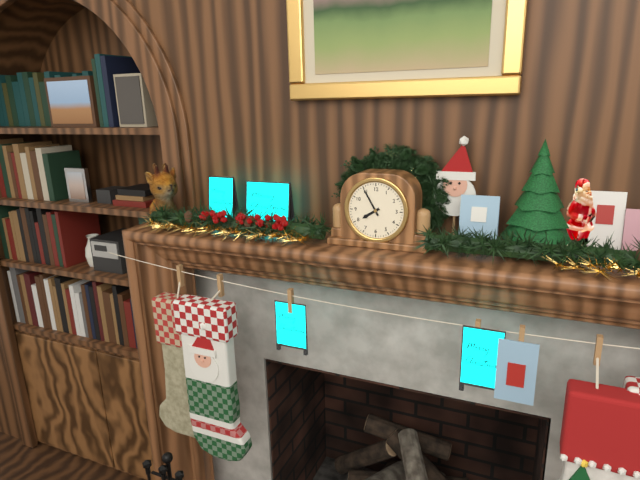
7:55
